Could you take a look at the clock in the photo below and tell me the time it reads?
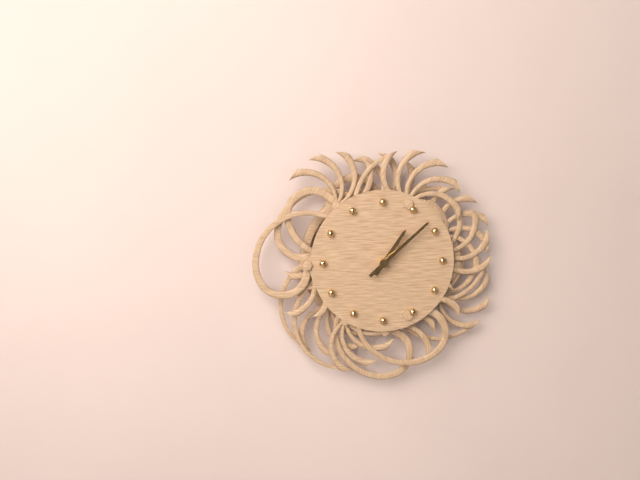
1:08
